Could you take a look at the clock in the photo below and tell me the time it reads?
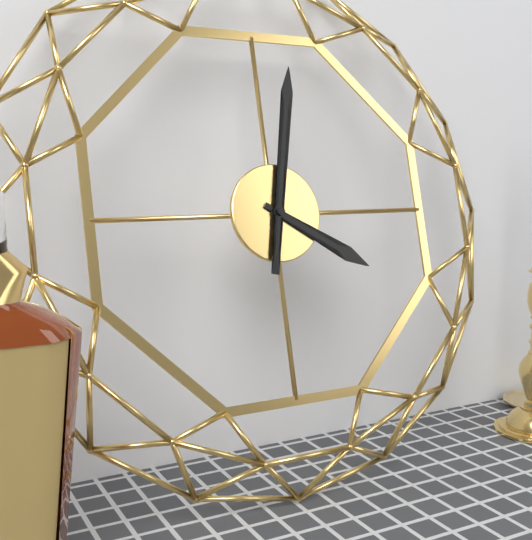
4:02
